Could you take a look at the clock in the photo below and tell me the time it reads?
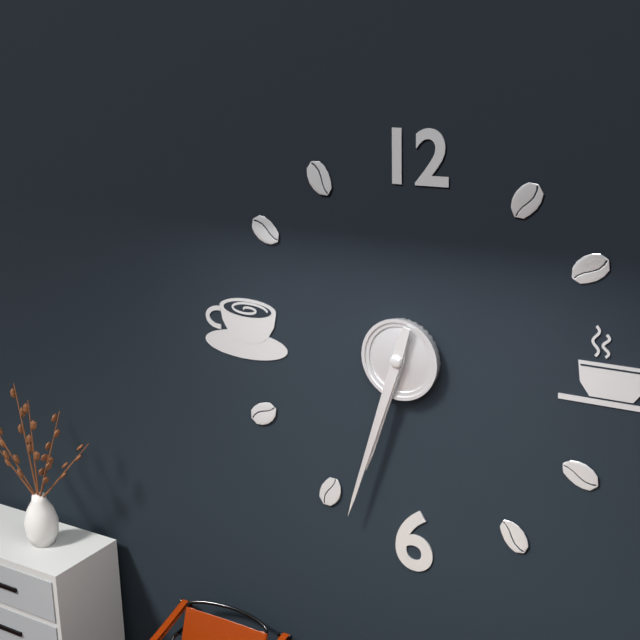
6:33
